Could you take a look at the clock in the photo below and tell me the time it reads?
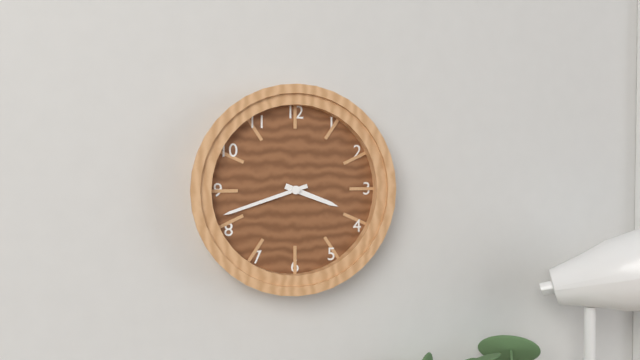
3:42
